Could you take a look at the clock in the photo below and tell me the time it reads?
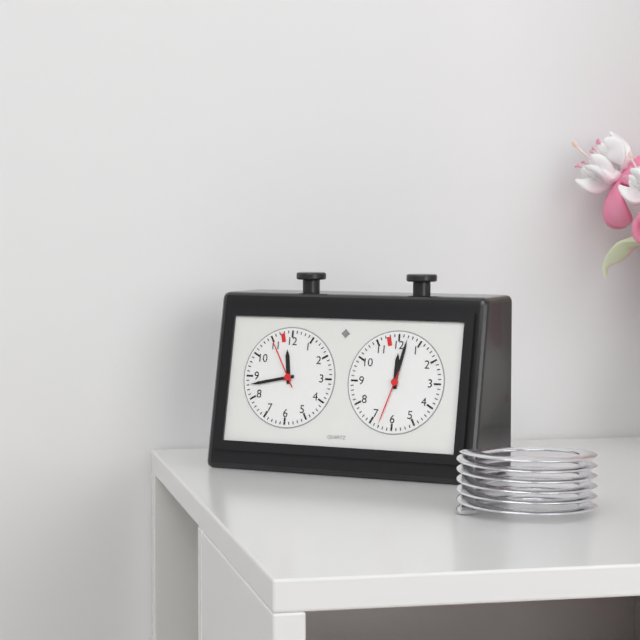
11:43:55
